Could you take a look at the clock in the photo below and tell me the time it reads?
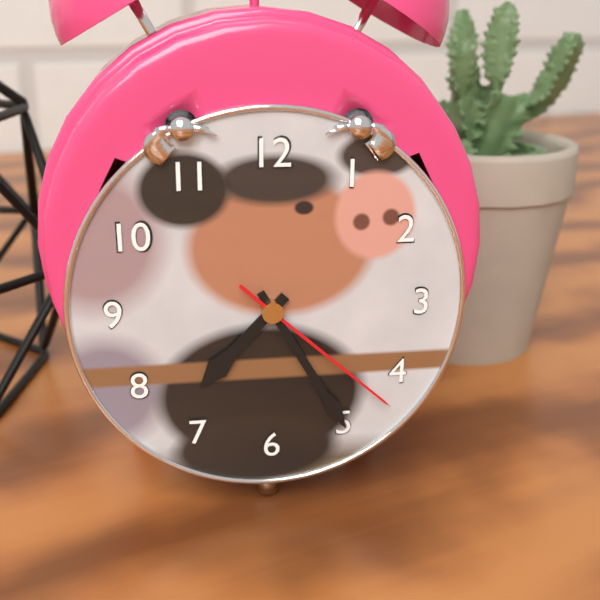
7:25:22
